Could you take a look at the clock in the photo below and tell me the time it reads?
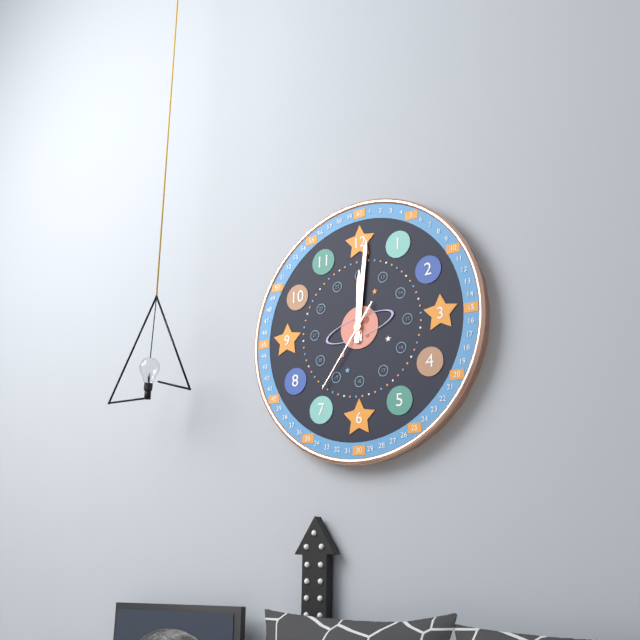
12:01:36
